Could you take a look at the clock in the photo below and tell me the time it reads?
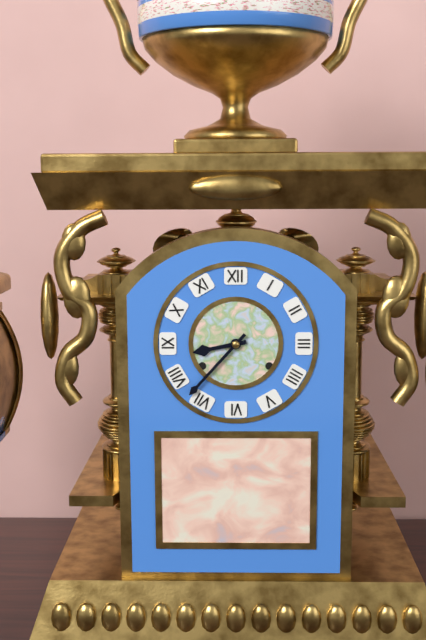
8:37
